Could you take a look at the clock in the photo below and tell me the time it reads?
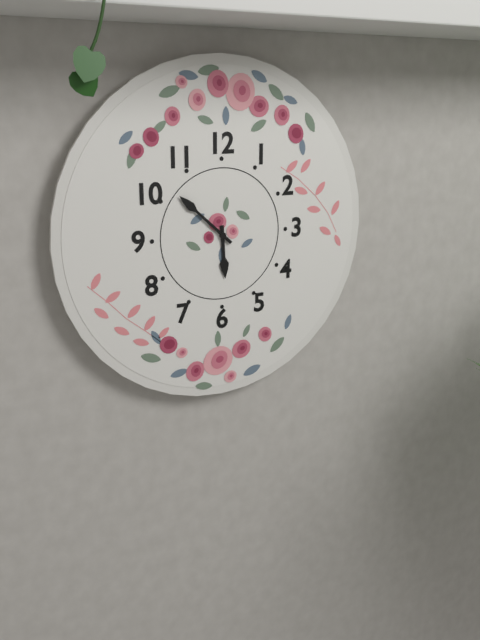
5:52
